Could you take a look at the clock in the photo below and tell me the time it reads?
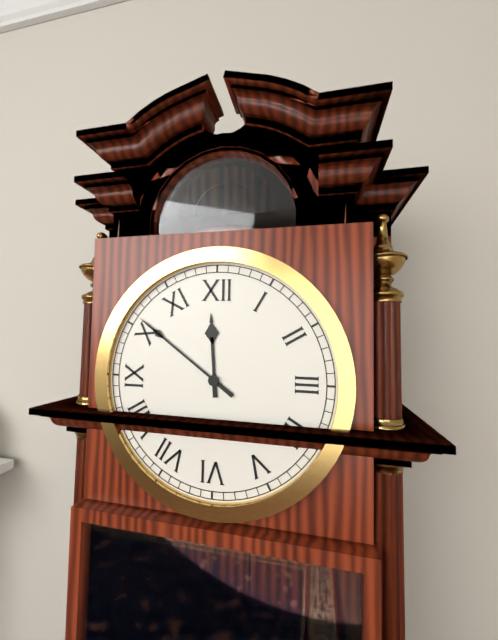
11:51
